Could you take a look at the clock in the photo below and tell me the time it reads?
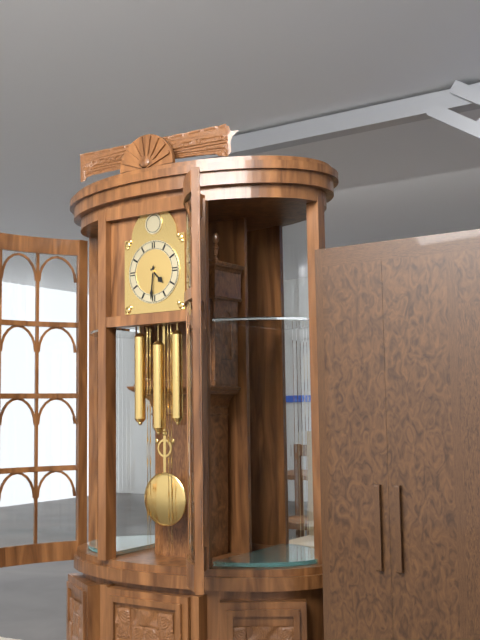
4:31
